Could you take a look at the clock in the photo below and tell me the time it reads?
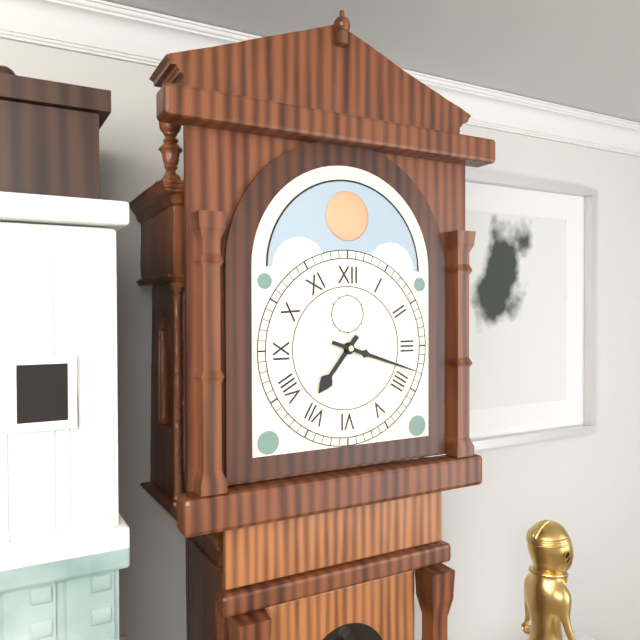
7:18
